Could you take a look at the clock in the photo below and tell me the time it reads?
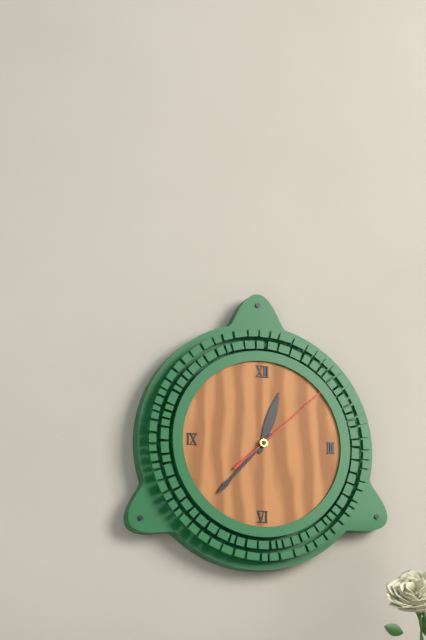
12:37:08
